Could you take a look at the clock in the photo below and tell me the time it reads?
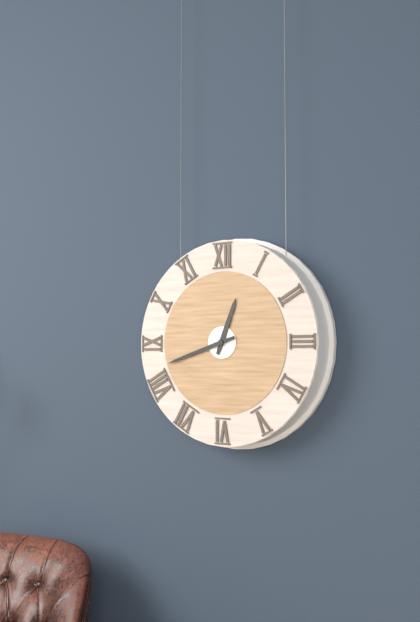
12:42
